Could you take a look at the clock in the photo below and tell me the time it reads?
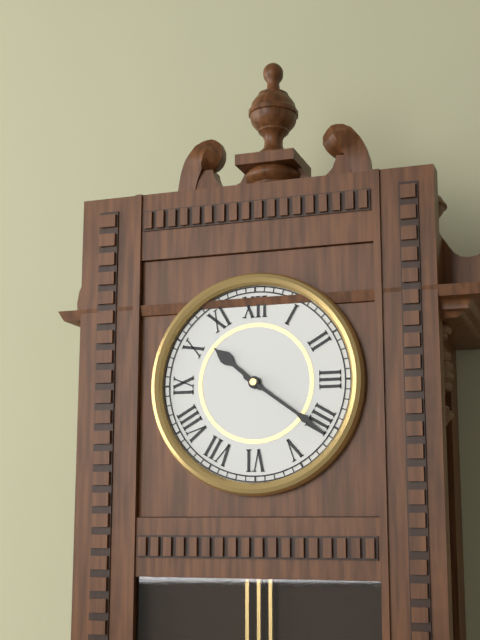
10:21
